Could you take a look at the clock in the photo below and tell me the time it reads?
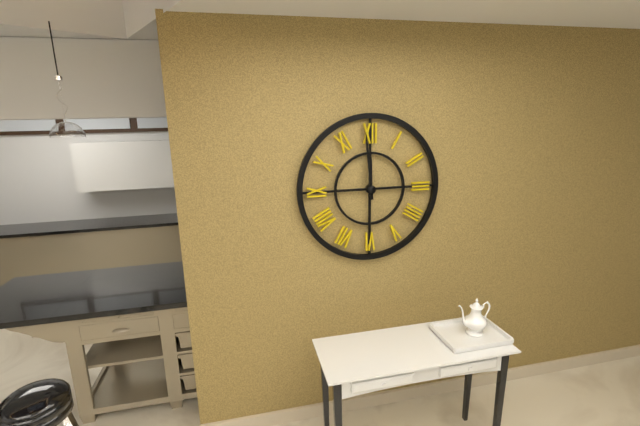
11:59
